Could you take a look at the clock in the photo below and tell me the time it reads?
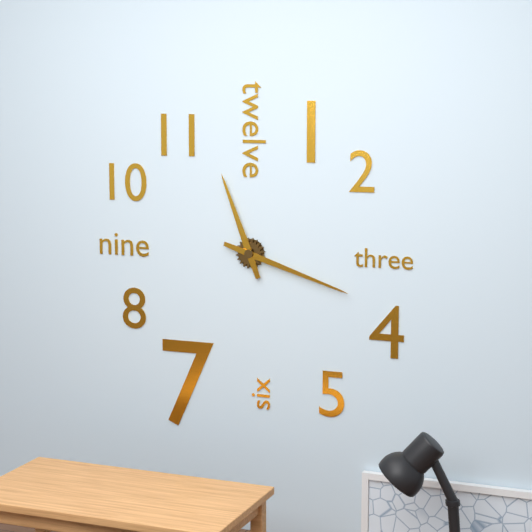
11:18
